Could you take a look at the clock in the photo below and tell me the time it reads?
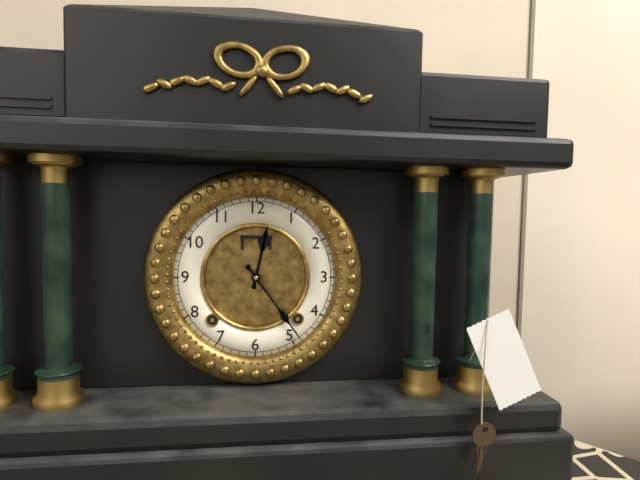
12:24
